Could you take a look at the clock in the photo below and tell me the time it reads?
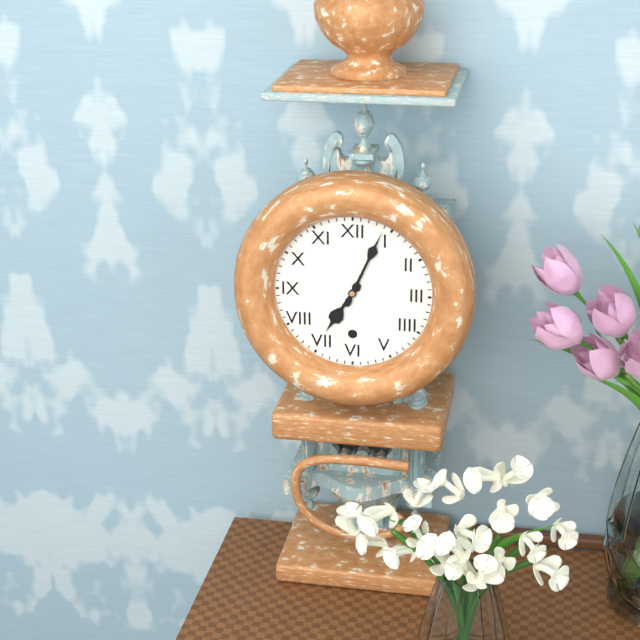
7:04
